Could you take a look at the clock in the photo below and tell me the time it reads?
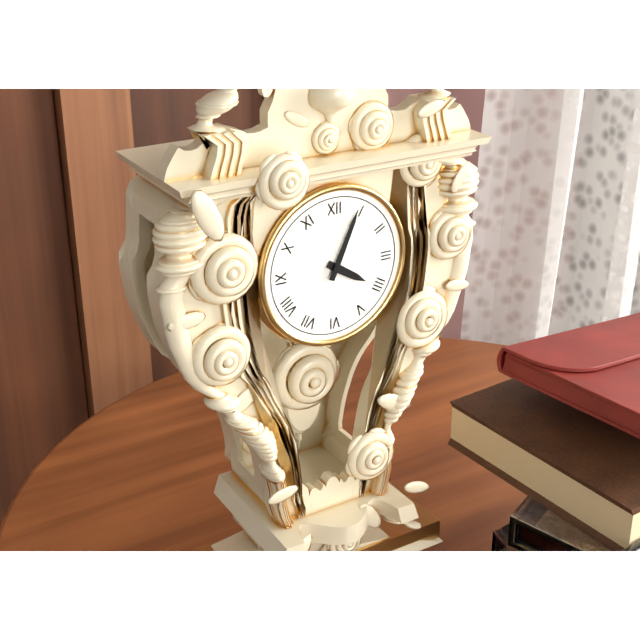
4:04
